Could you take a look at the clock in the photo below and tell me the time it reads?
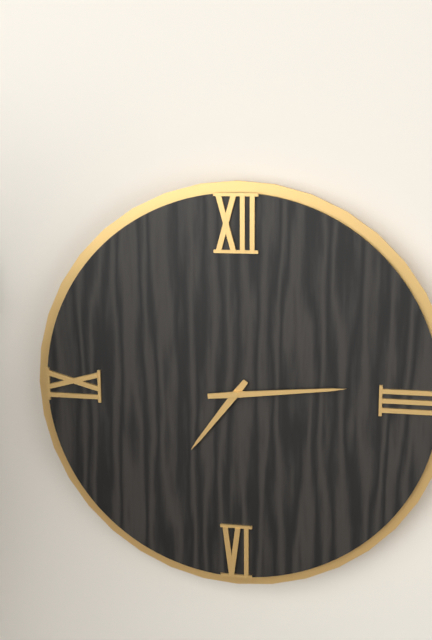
7:14
